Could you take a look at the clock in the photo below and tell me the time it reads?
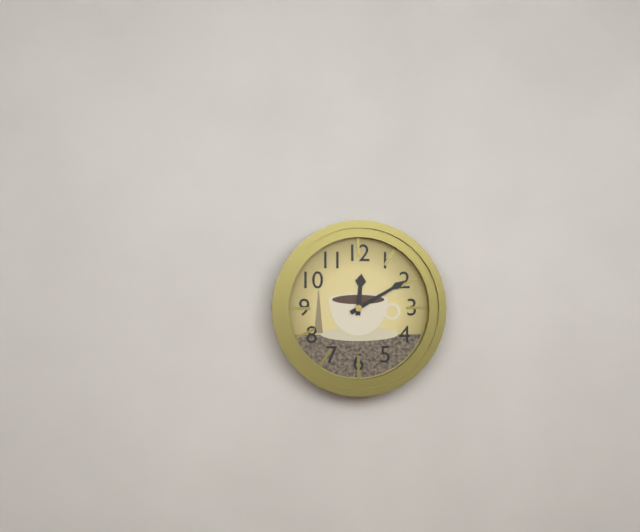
12:10
